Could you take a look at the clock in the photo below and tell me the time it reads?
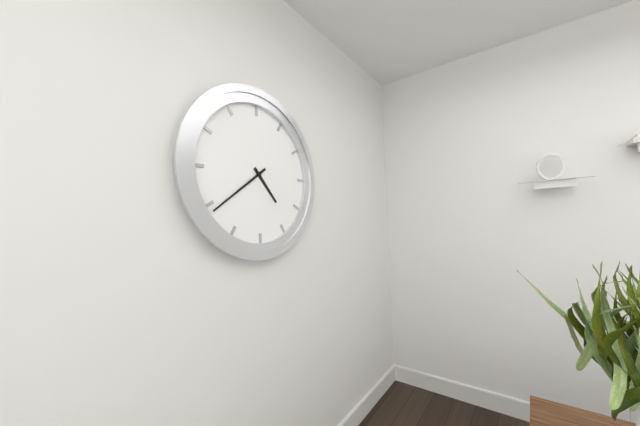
4:39
